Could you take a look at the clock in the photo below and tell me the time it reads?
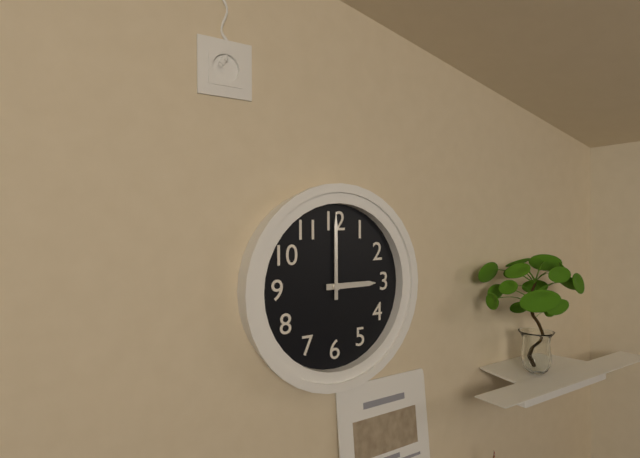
3:00
